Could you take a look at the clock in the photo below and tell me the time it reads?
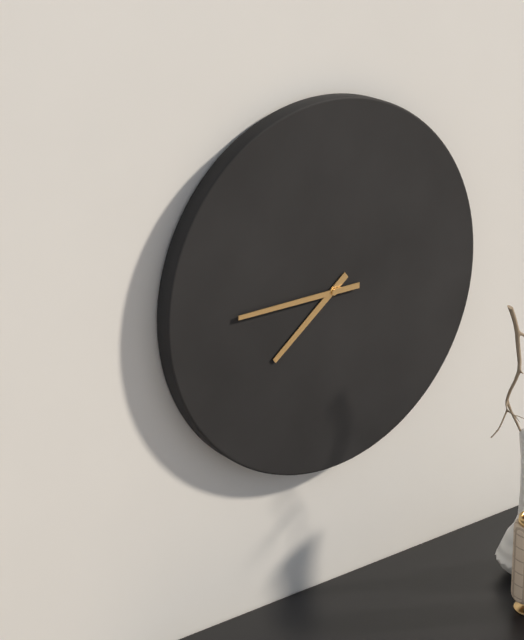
7:45
